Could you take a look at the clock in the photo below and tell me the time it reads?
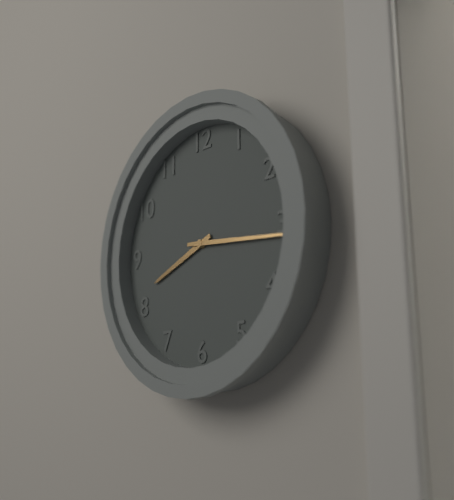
8:16
